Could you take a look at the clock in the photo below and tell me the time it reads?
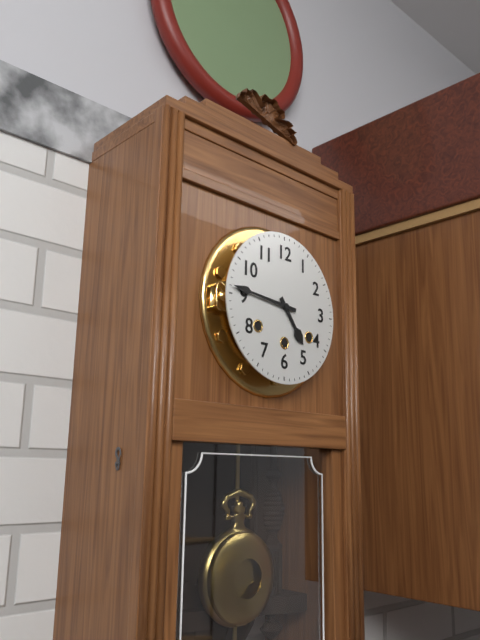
4:46
